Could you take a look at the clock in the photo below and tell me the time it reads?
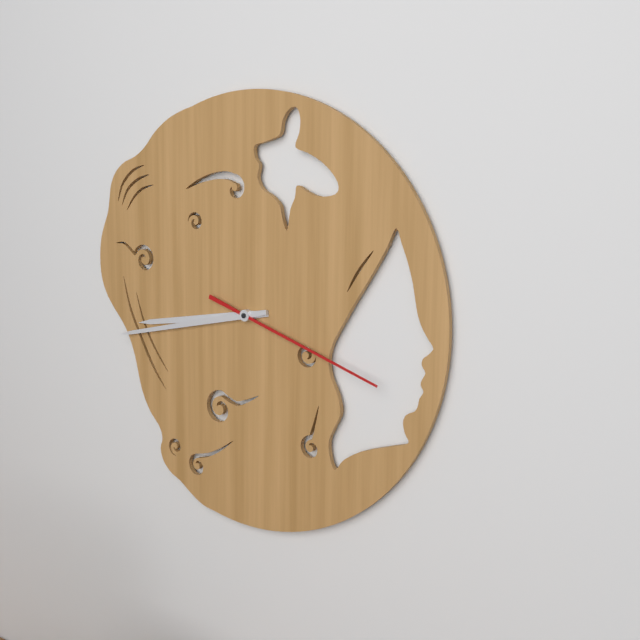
8:43:18
